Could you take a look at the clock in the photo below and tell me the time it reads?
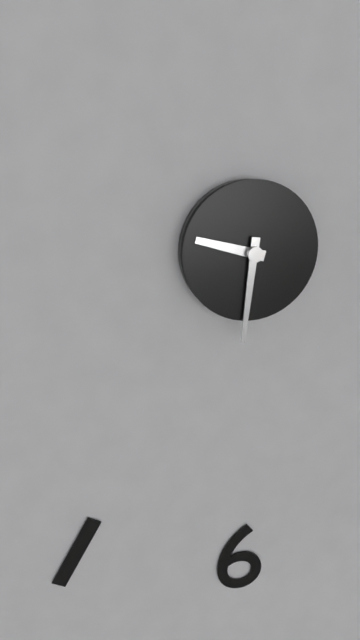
9:31
